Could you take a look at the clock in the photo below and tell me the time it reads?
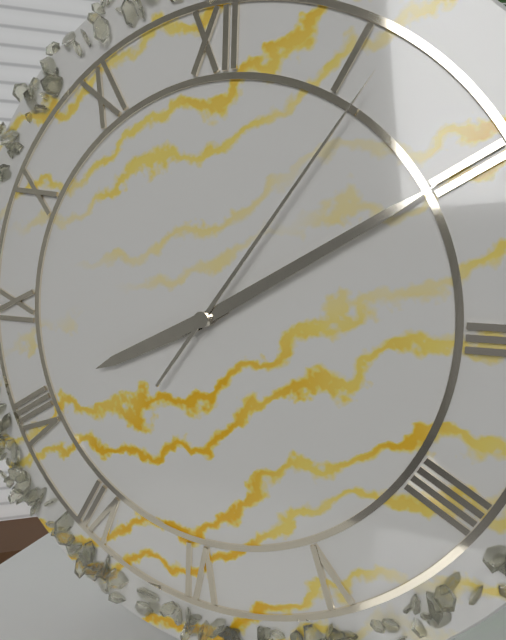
8:10:06
